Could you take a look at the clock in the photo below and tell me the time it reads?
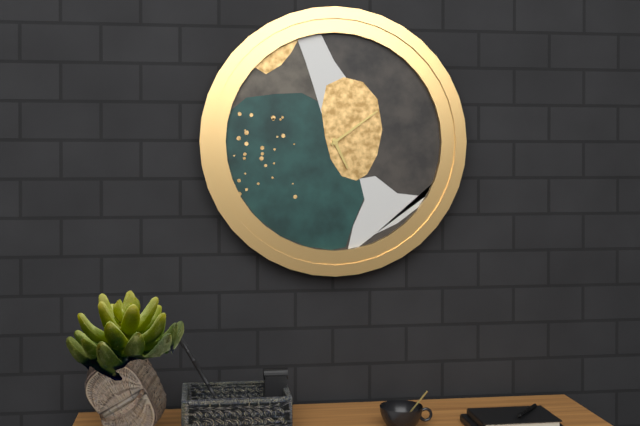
5:09
